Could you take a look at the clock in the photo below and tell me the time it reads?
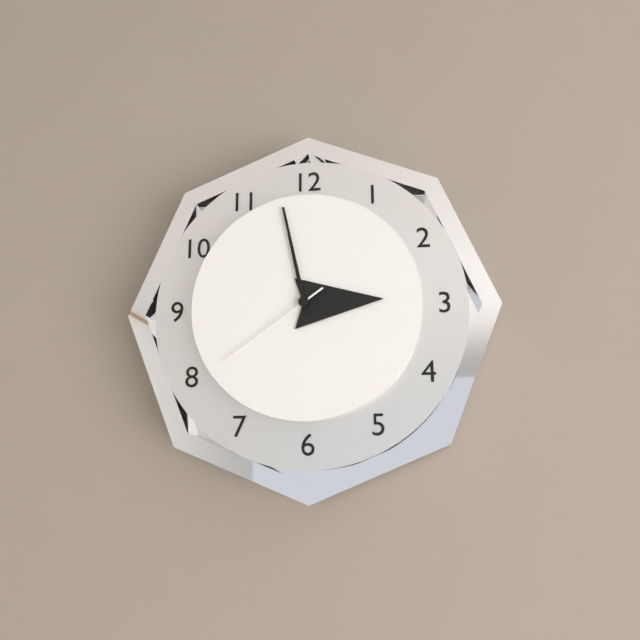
2:58:39
